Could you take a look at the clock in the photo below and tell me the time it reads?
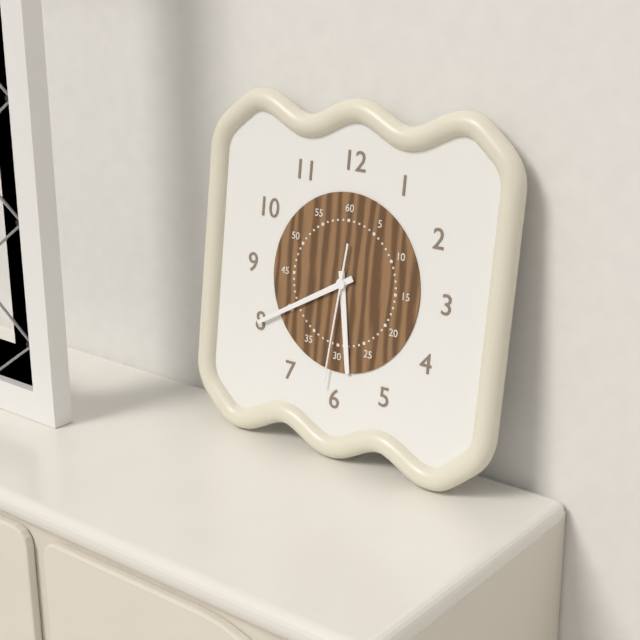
5:40:31
